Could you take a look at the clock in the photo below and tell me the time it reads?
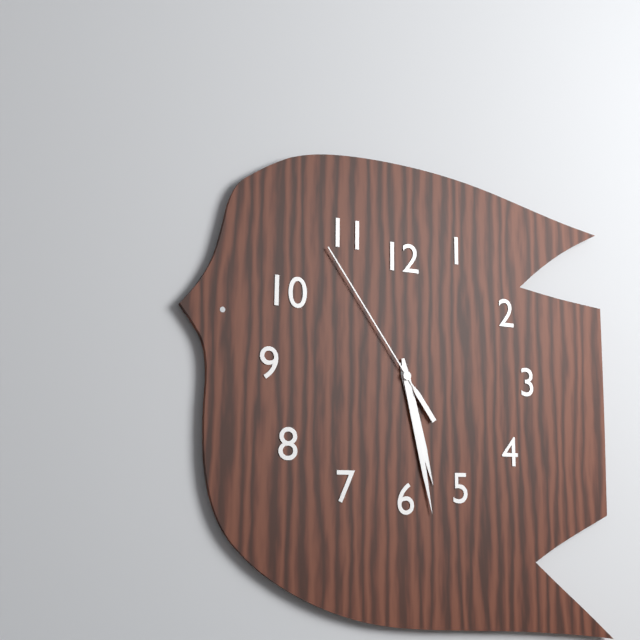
5:28:54
